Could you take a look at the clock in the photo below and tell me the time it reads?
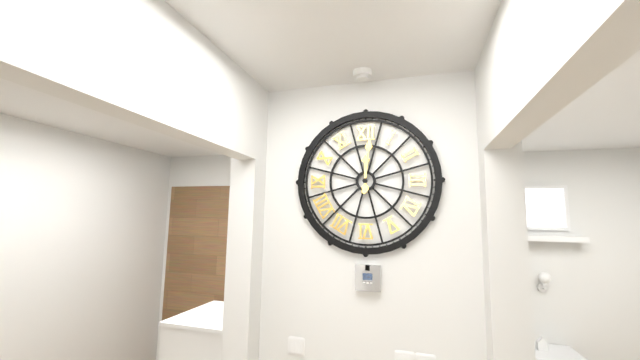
12:01
